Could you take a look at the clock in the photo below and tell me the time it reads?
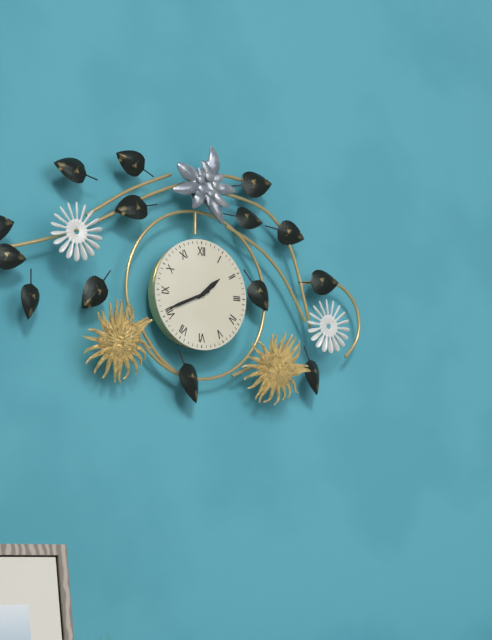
1:41
